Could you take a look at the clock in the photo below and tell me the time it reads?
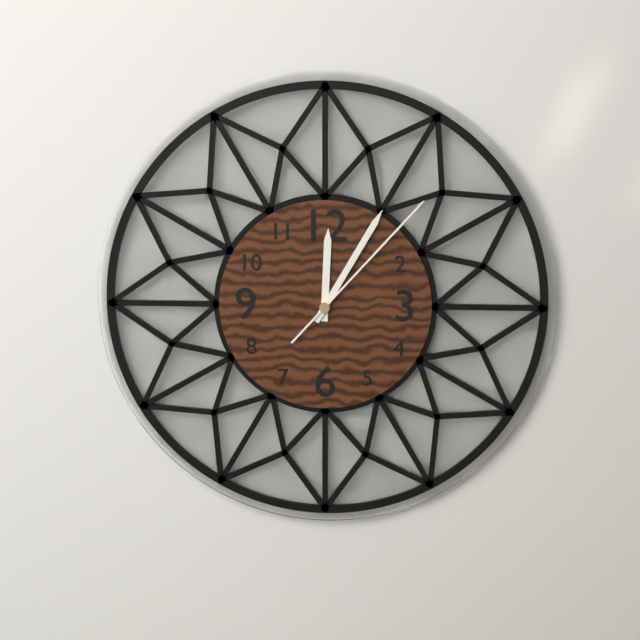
12:05:07
